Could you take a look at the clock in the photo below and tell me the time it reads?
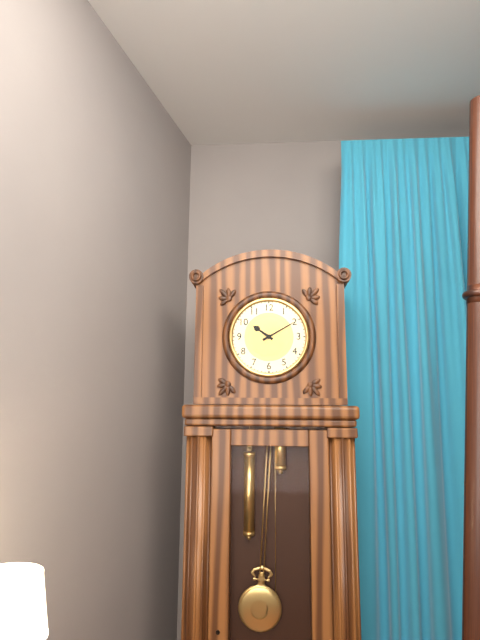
10:10
